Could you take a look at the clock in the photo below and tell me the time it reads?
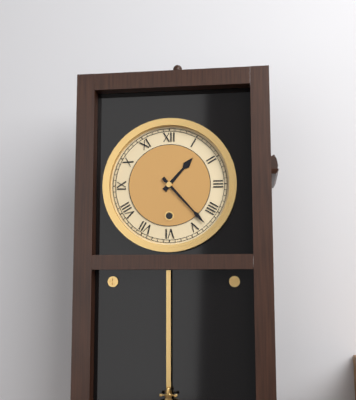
1:23
